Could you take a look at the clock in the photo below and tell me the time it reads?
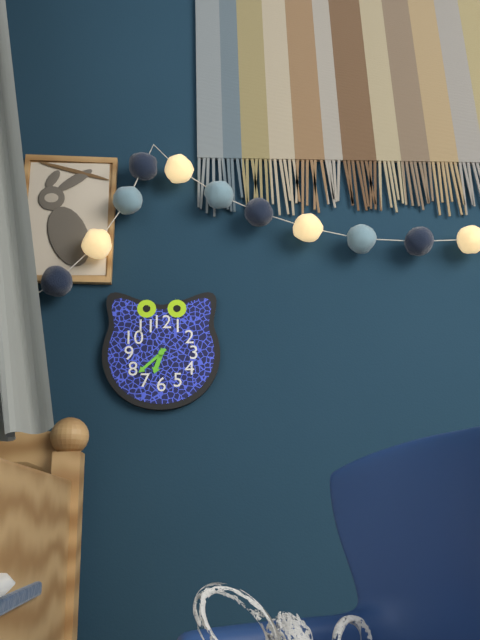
6:38
